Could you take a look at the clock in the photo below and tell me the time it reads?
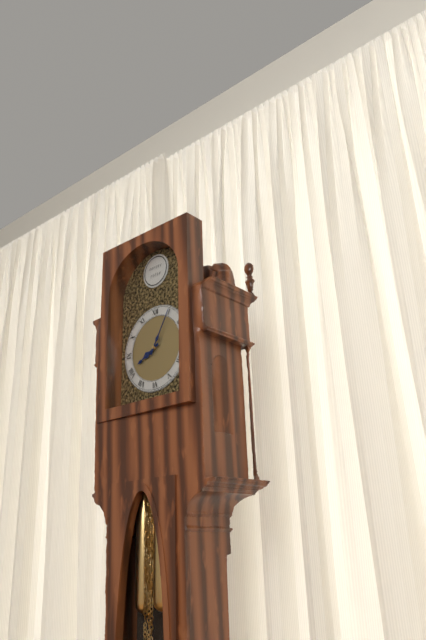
8:05
